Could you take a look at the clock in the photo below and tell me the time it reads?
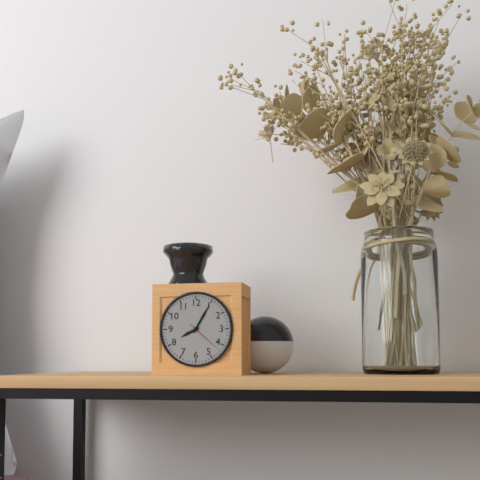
8:05
